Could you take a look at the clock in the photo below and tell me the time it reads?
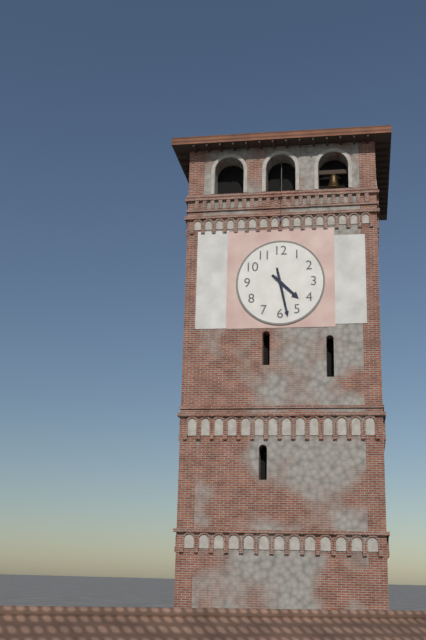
4:28
